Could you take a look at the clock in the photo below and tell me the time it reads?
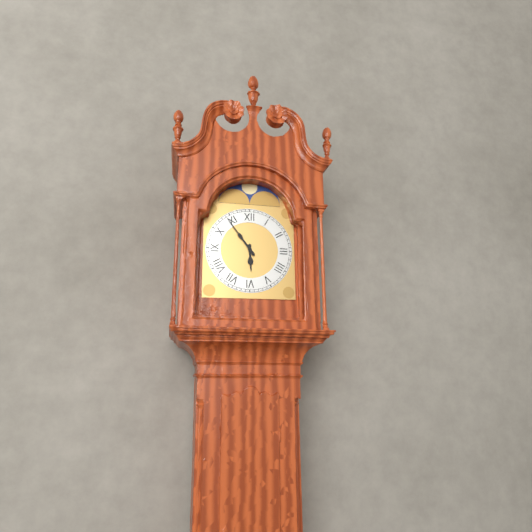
5:54
